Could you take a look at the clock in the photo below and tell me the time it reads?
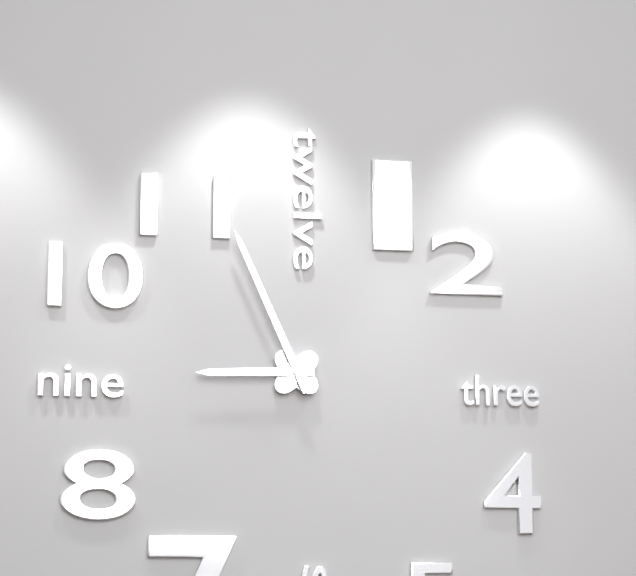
8:56
